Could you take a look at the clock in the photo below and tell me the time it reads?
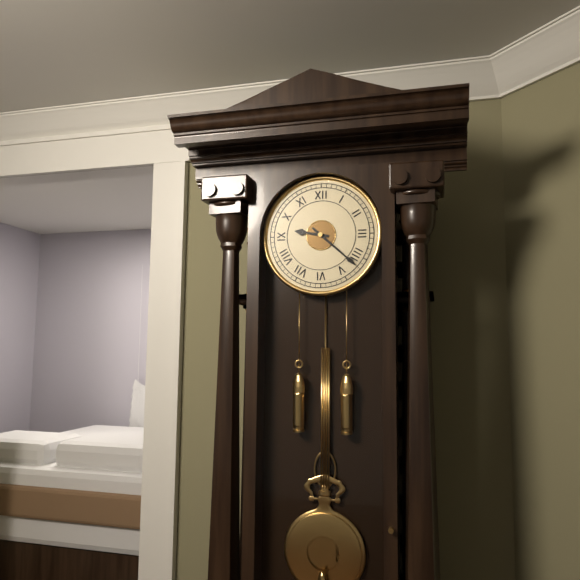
9:22
